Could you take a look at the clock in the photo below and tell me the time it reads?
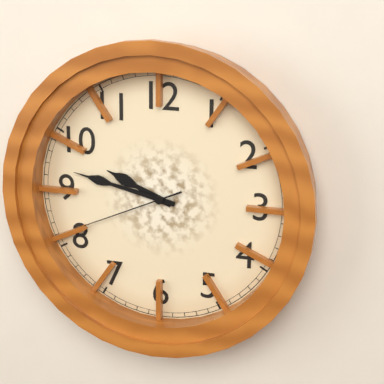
9:47:41
